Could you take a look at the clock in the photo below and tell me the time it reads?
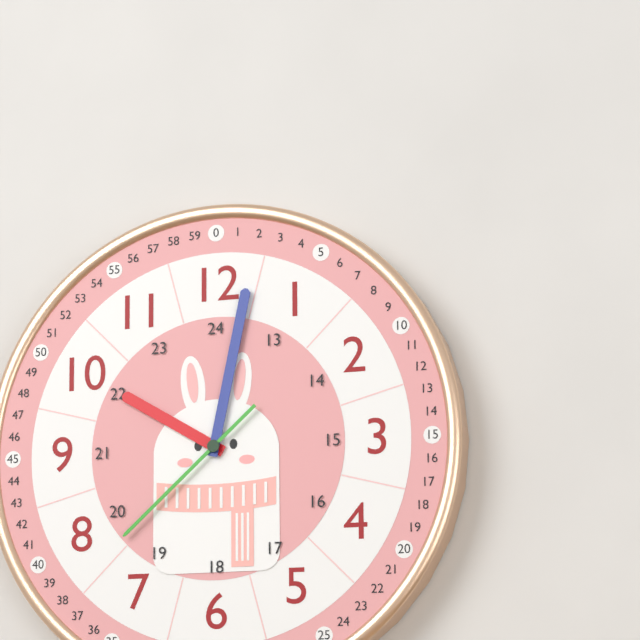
10:02:38
